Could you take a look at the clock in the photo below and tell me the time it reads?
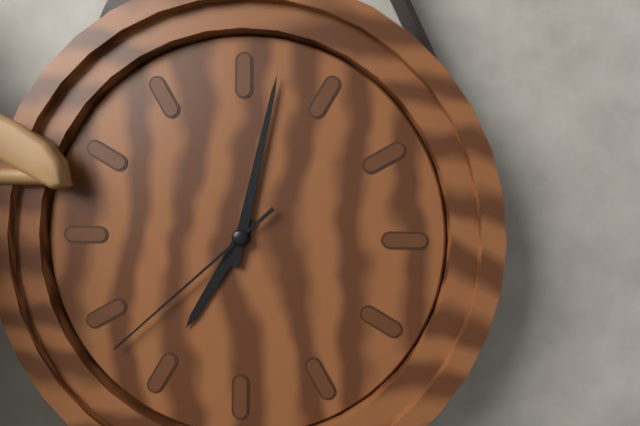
7:02:38
